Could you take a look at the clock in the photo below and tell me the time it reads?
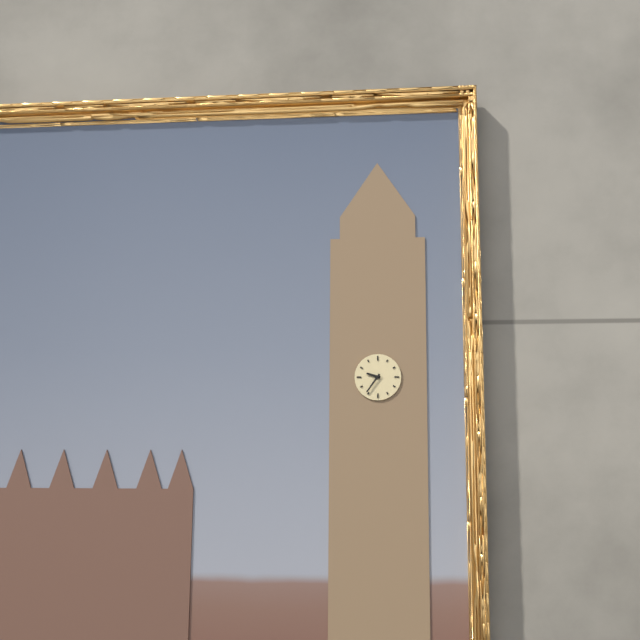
9:36
